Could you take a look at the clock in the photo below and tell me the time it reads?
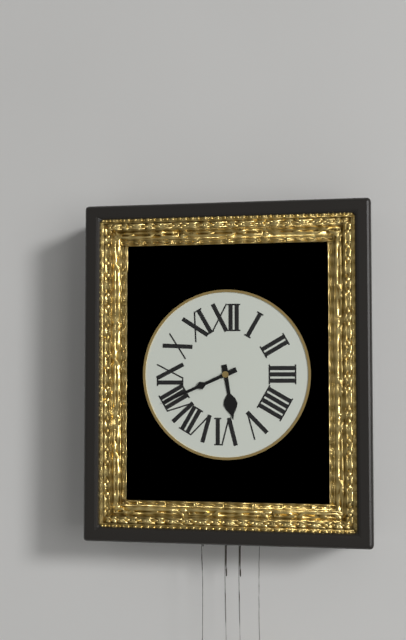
5:41
